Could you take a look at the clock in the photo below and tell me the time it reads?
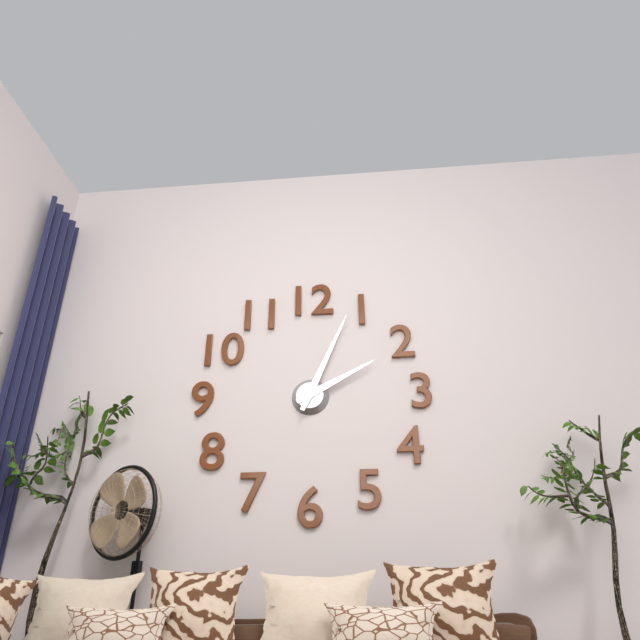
2:04
